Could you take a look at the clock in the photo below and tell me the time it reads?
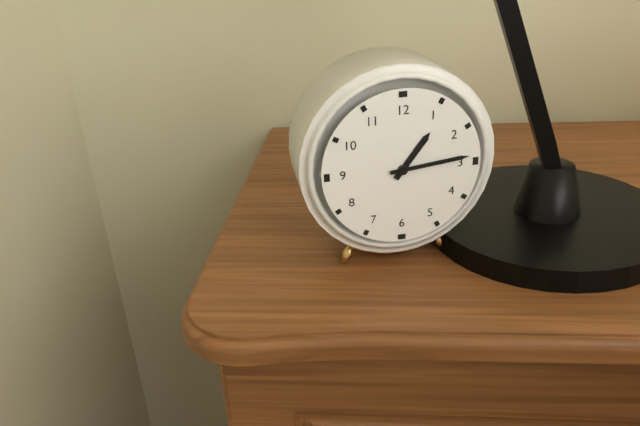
1:14
